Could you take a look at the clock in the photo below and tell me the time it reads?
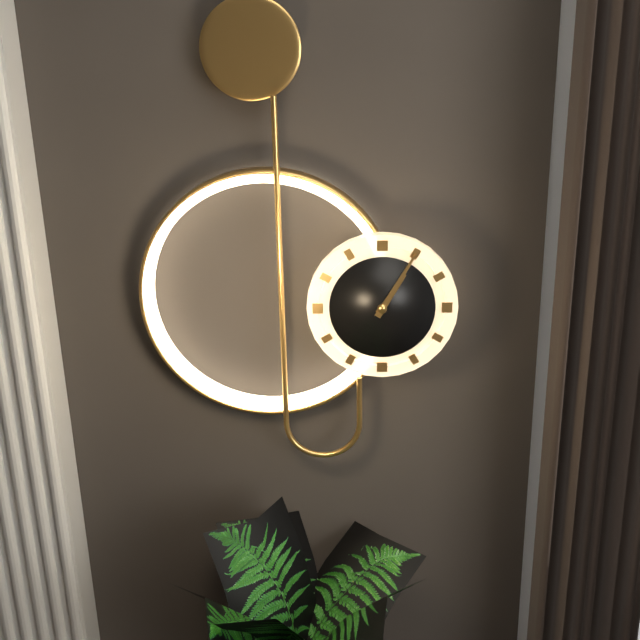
1:05
